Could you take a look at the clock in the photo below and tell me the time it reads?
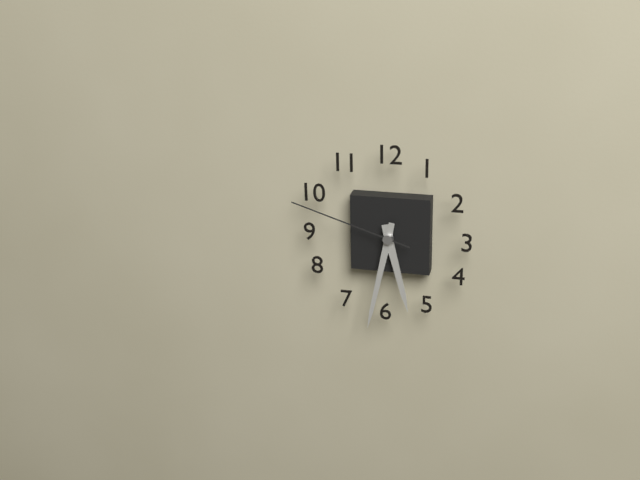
5:32:48
